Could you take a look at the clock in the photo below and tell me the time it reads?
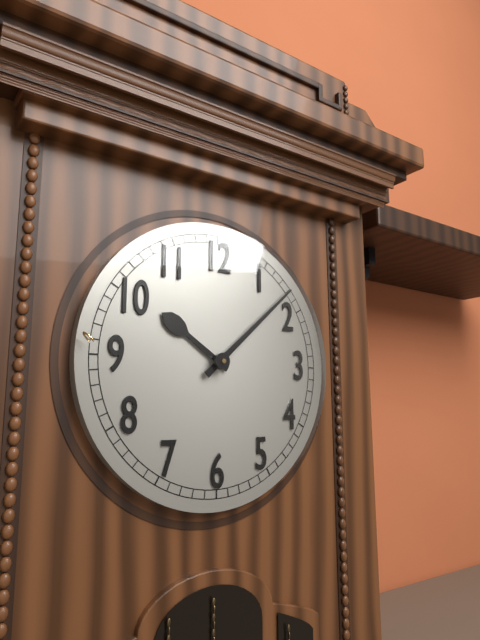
10:08
